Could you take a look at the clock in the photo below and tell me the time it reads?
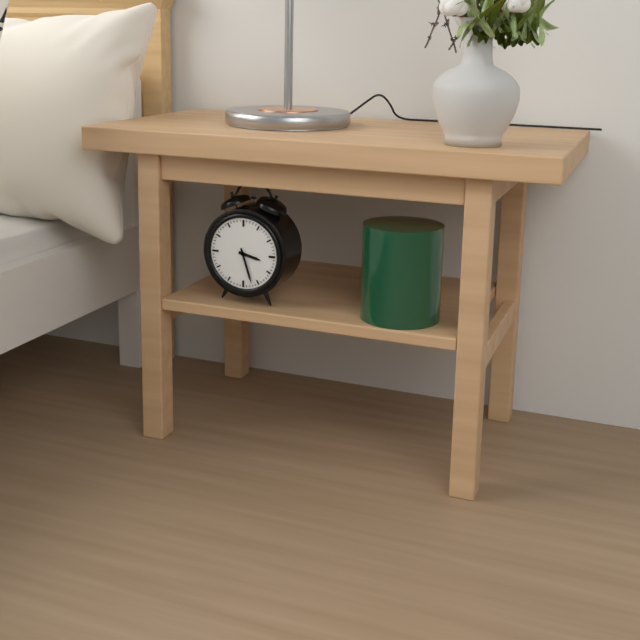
3:27
